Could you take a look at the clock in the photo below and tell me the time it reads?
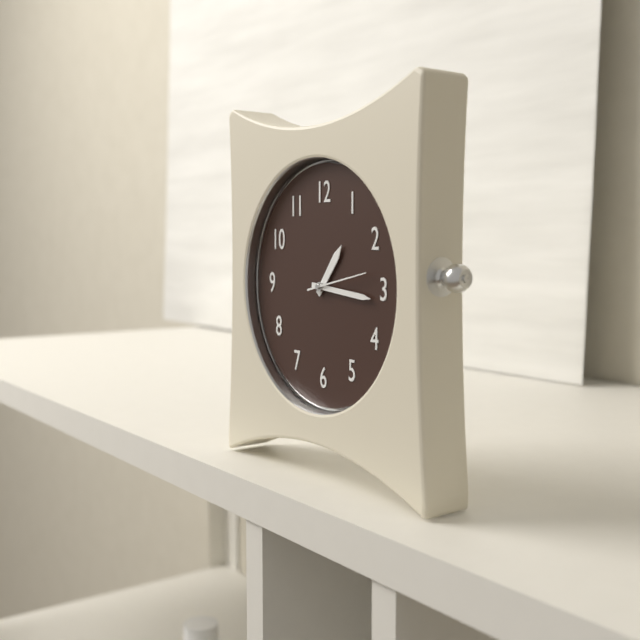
1:16:13
